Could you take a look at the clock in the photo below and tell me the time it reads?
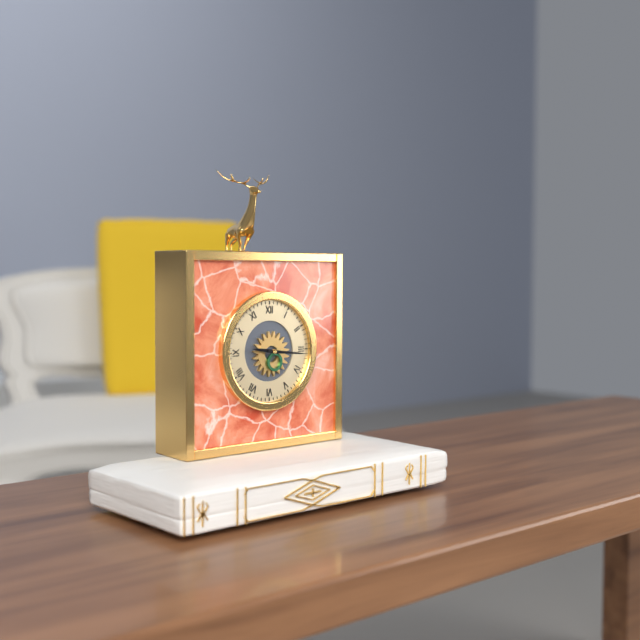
9:16
